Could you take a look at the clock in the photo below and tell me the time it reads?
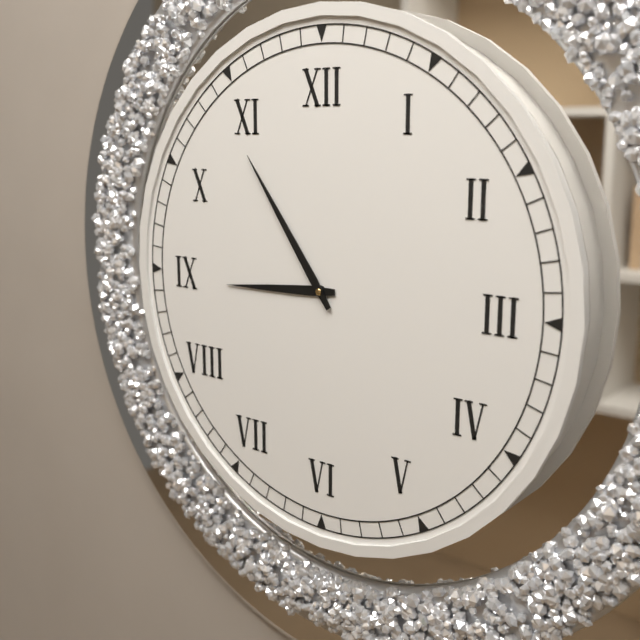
8:54
